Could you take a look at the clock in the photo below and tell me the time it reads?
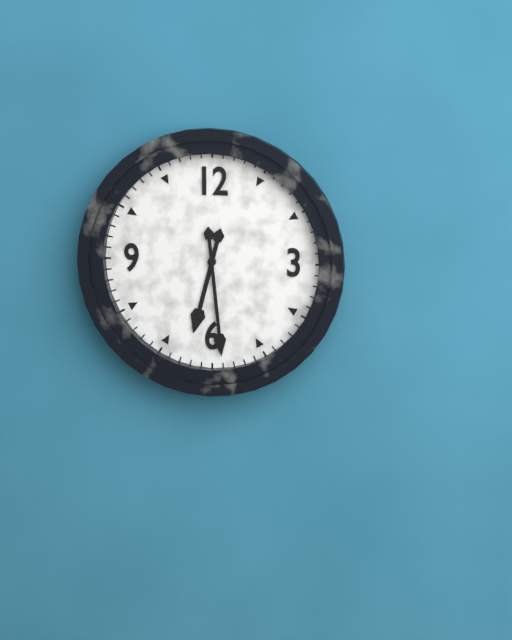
6:29
